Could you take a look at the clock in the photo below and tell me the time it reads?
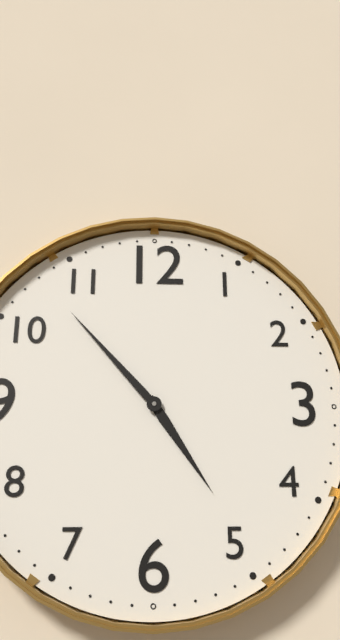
4:53
